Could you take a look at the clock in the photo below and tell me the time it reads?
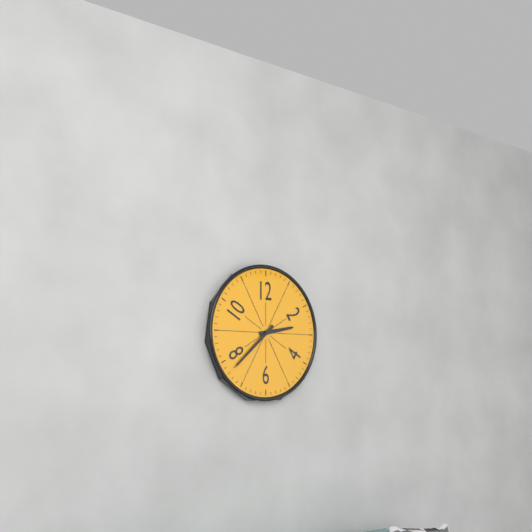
2:38
